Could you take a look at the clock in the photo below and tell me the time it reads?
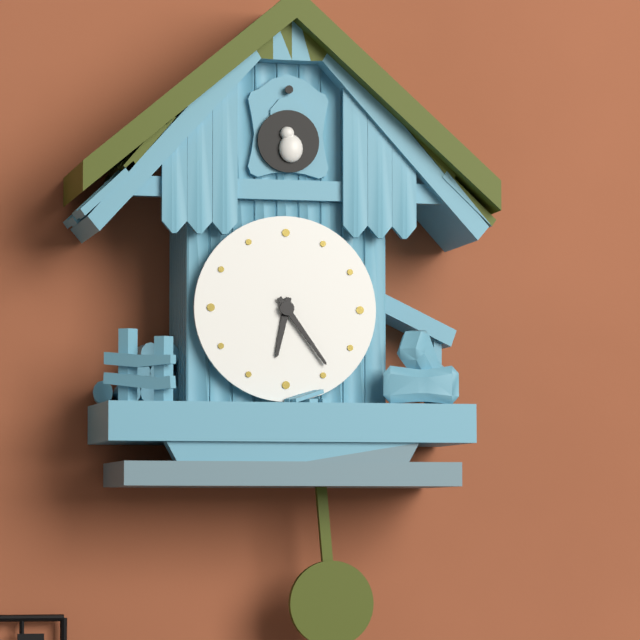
6:24
